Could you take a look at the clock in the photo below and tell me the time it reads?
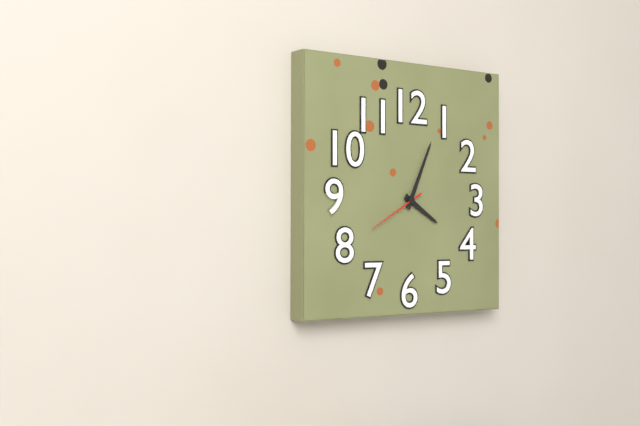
4:04:40
